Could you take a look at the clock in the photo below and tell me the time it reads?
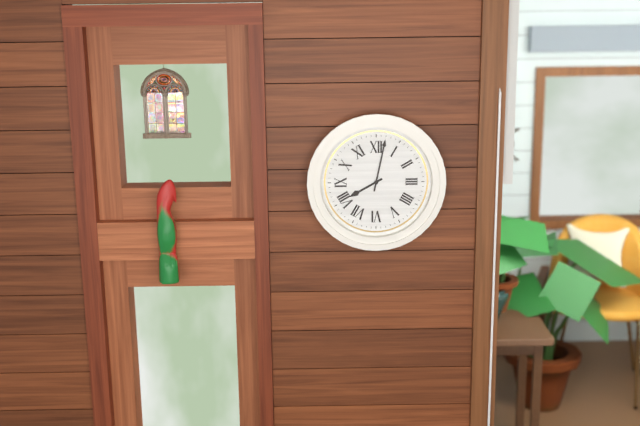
8:02
